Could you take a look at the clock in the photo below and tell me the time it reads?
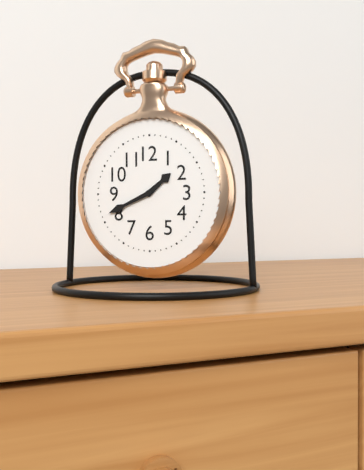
1:41
